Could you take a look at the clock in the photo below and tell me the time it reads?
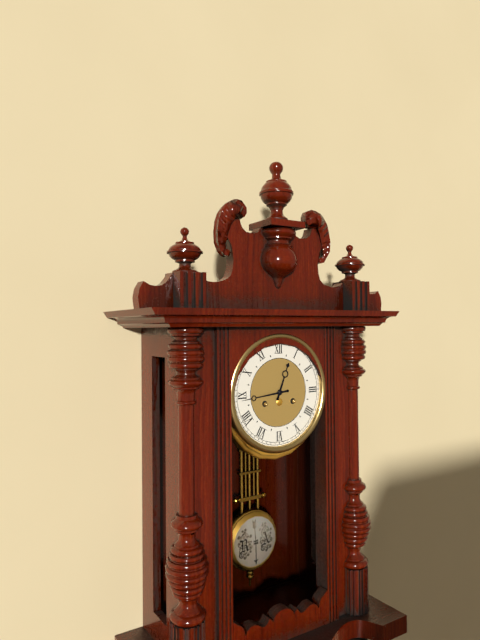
12:44
